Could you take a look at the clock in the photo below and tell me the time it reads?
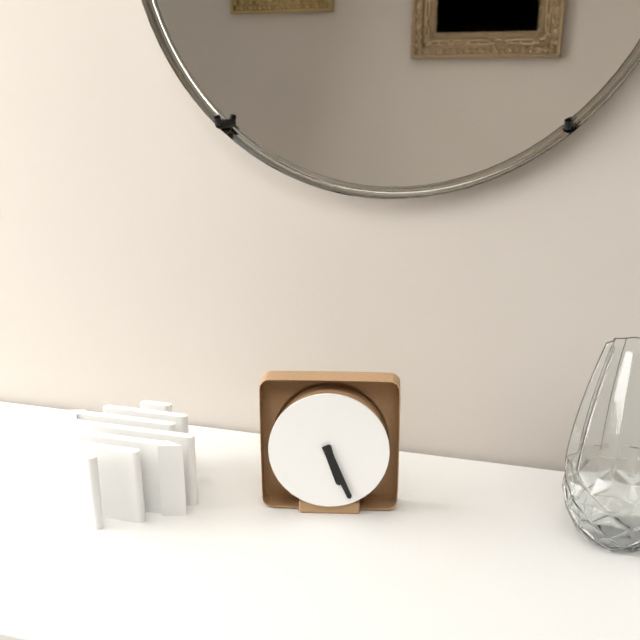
5:26
